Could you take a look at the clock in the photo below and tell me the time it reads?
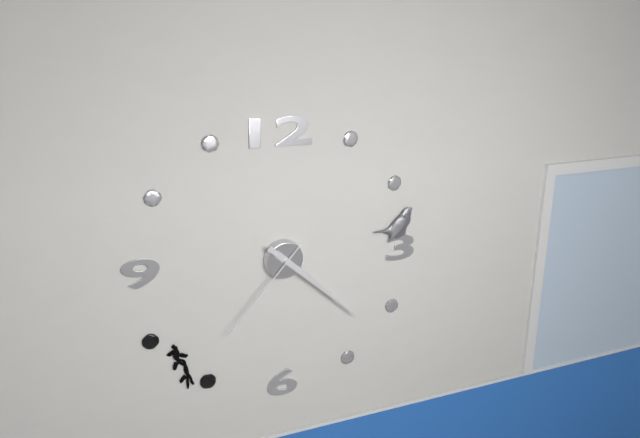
4:22:37
